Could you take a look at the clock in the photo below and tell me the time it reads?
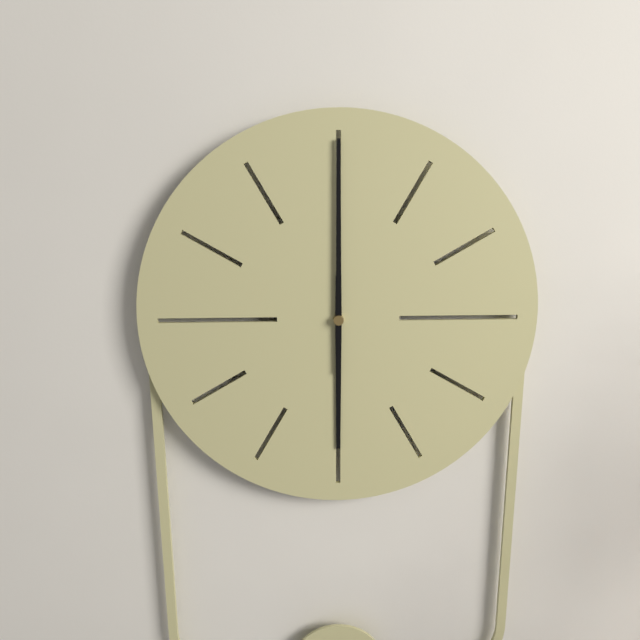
6:00
